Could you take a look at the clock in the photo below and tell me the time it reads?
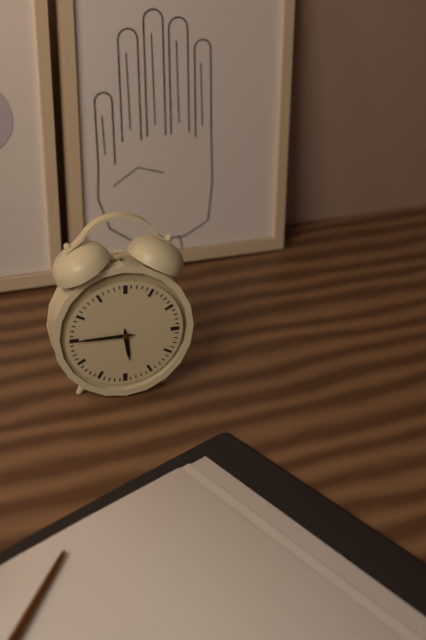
5:45
